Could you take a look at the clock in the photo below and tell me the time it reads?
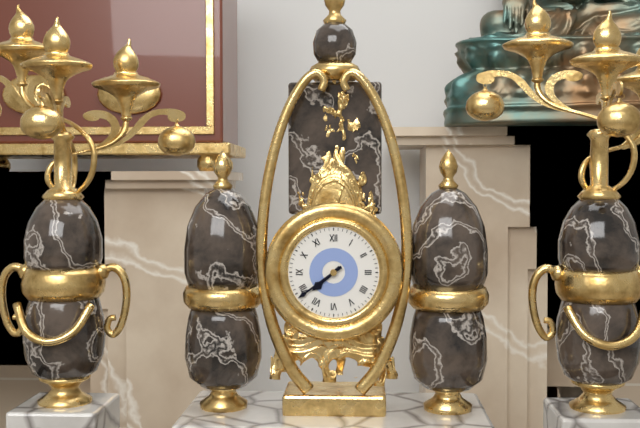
7:39
